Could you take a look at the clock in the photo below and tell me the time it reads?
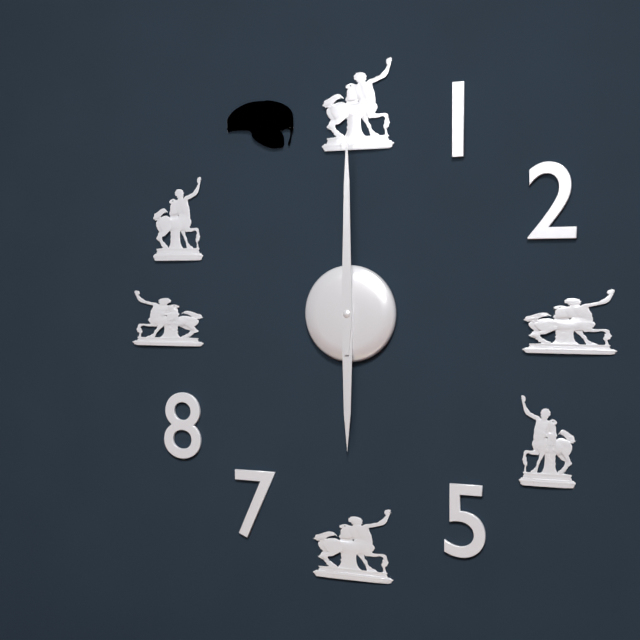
6:00
